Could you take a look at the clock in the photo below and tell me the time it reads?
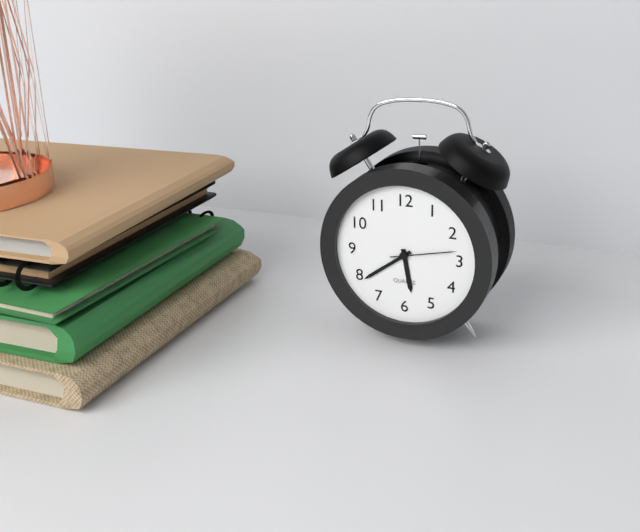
5:39:13
